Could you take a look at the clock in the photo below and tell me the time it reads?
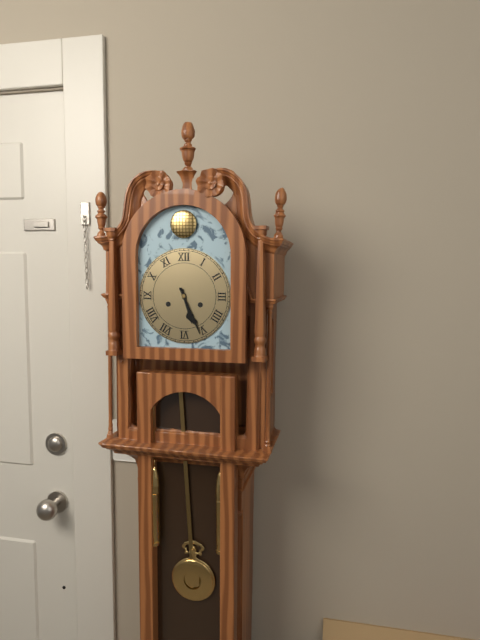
5:26
